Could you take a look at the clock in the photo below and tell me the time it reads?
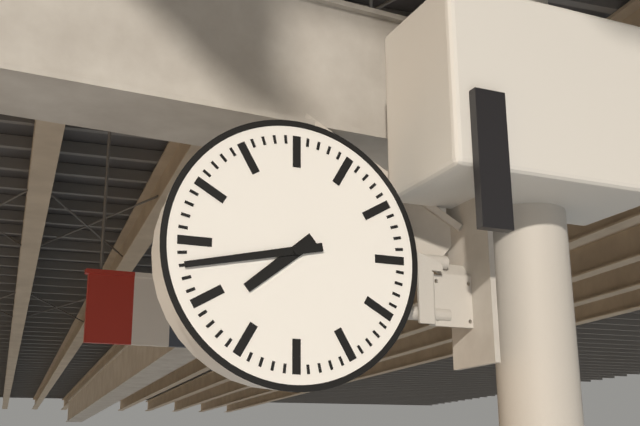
7:43
